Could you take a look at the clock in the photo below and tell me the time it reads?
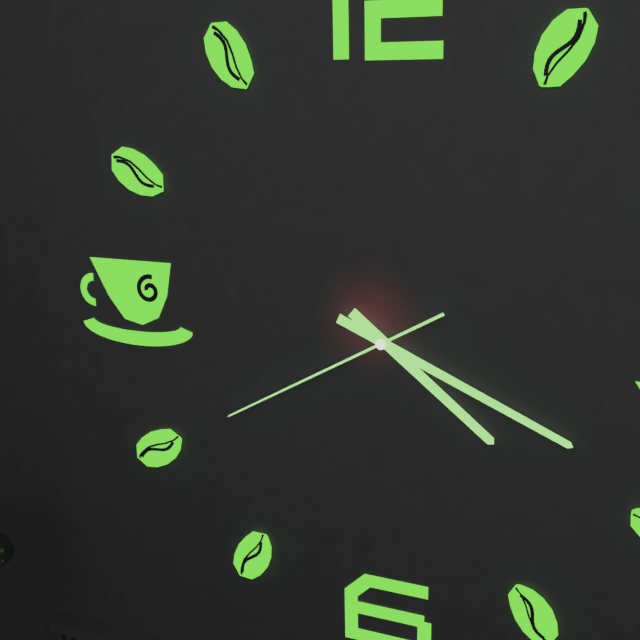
4:19:40
